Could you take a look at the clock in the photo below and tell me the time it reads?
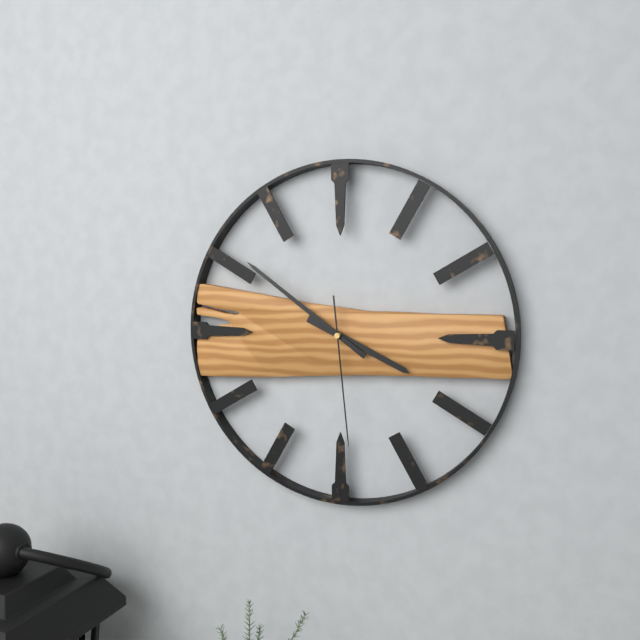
3:51:29
